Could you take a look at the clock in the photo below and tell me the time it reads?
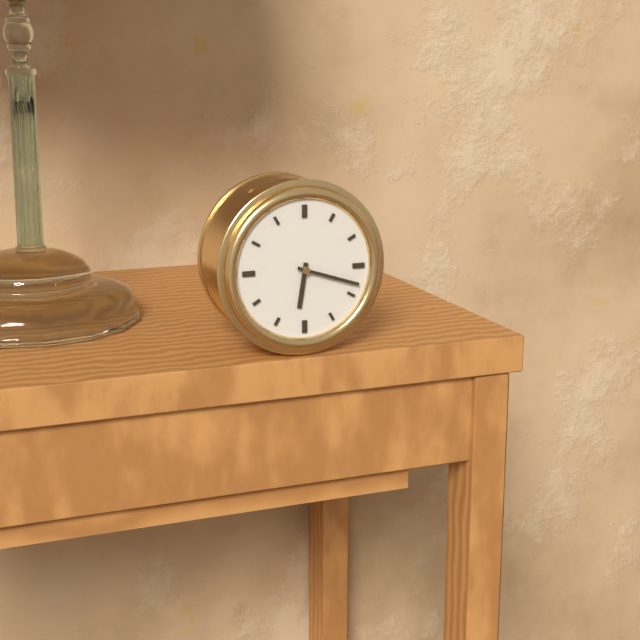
6:18
